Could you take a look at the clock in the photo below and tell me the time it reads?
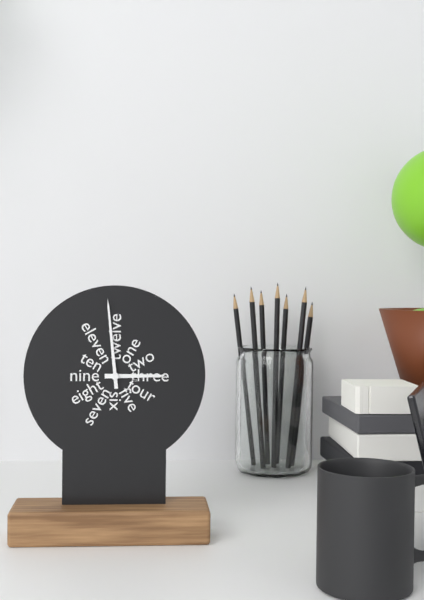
2:59
